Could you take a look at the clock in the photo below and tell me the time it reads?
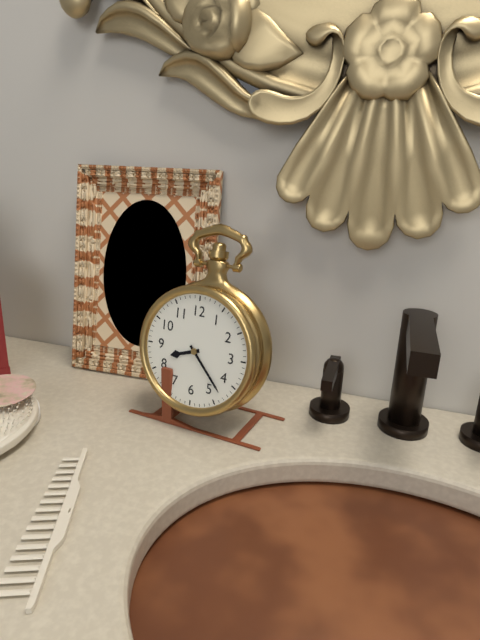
8:23
